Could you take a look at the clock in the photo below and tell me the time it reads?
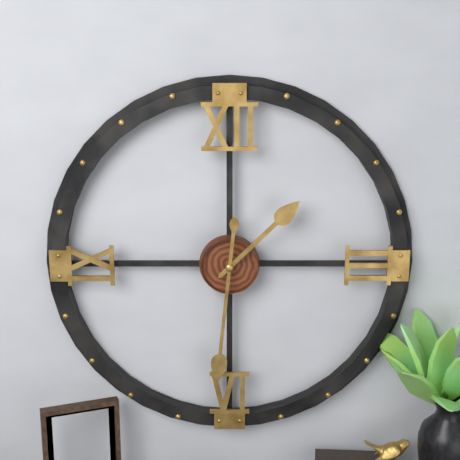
1:31
